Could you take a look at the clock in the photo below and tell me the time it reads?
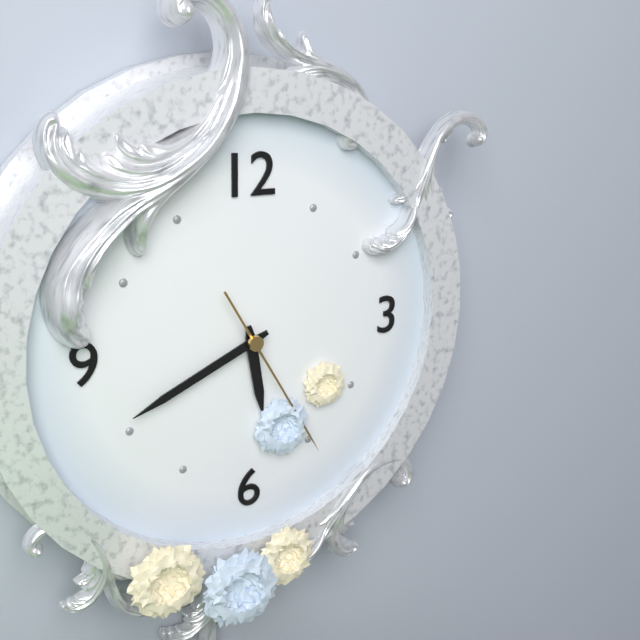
5:41:25
